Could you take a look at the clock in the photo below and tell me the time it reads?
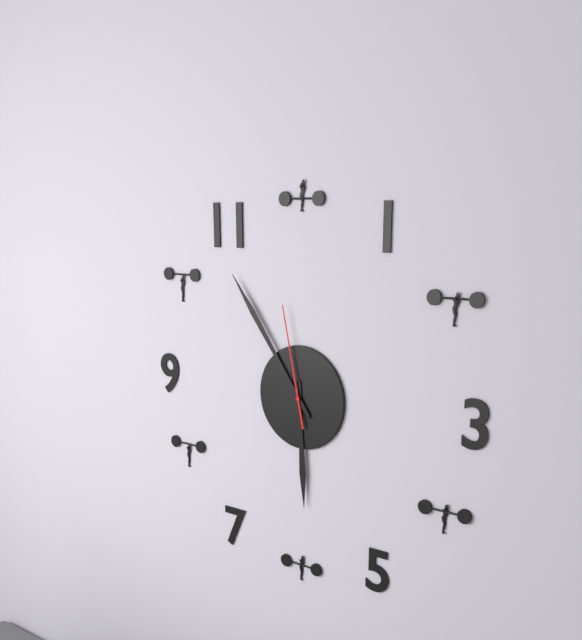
5:54:58
